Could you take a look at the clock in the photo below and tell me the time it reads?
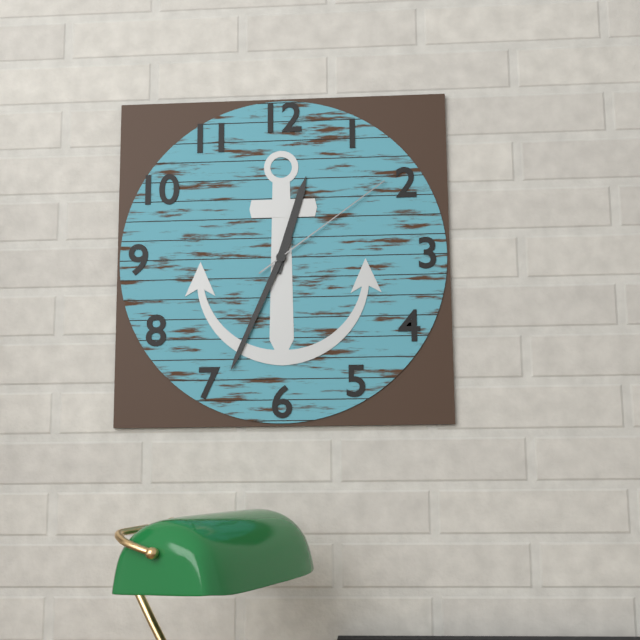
12:34:09
